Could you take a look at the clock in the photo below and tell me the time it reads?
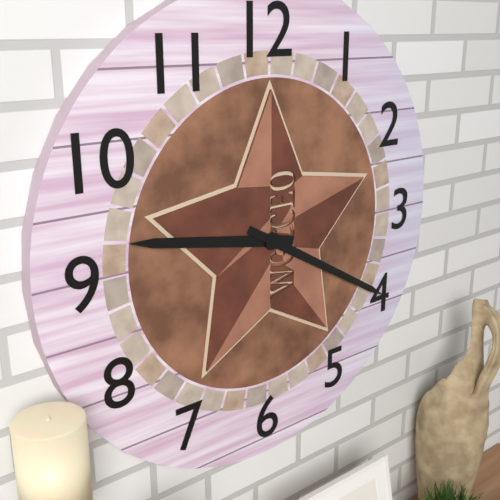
9:20
